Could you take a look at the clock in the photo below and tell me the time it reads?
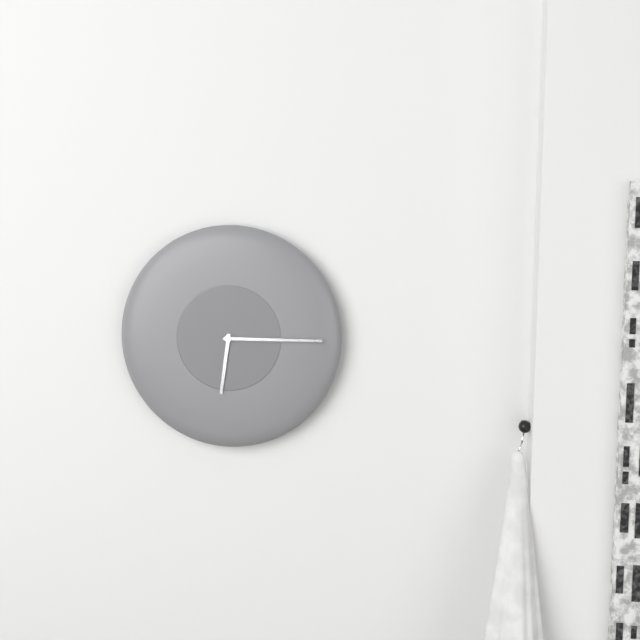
6:15
